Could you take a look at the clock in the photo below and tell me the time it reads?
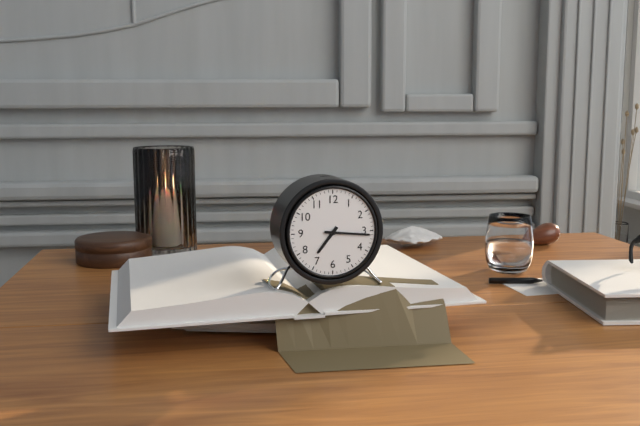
7:16
